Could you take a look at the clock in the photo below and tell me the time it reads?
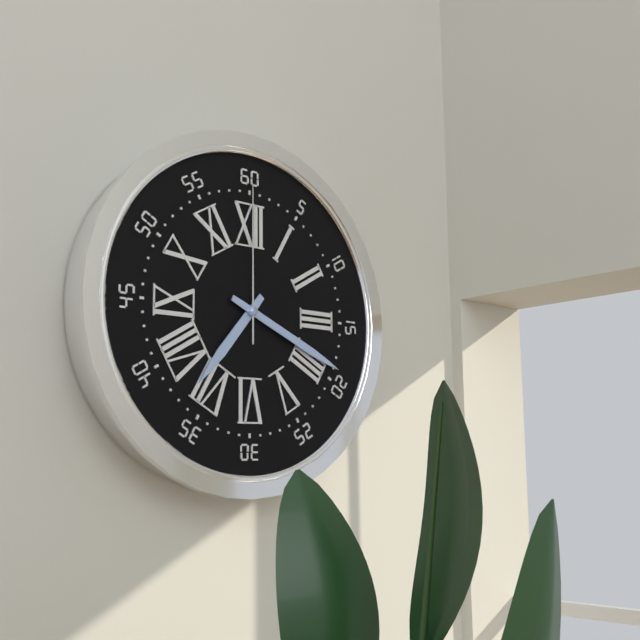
7:19:00
